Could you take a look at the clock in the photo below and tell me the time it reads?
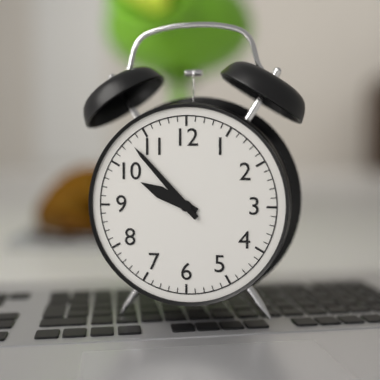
9:53
